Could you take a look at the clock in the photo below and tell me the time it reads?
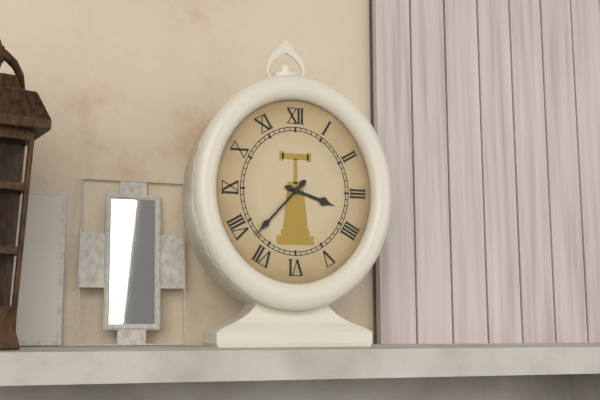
3:37
